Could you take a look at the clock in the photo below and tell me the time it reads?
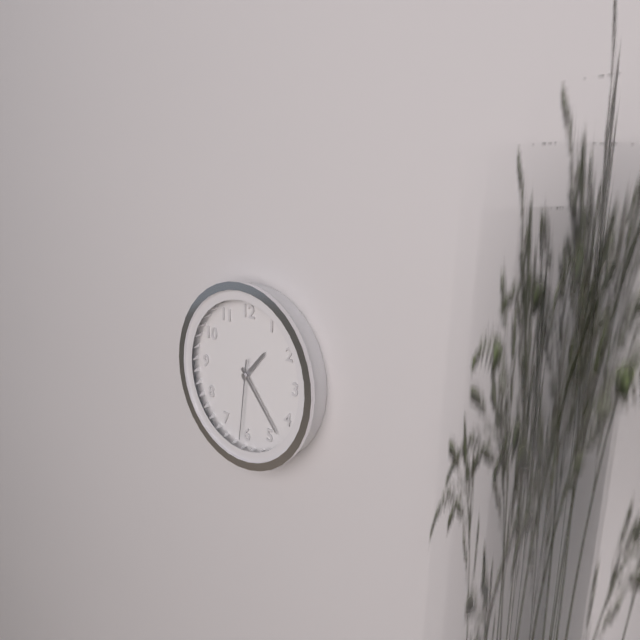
1:23:31
